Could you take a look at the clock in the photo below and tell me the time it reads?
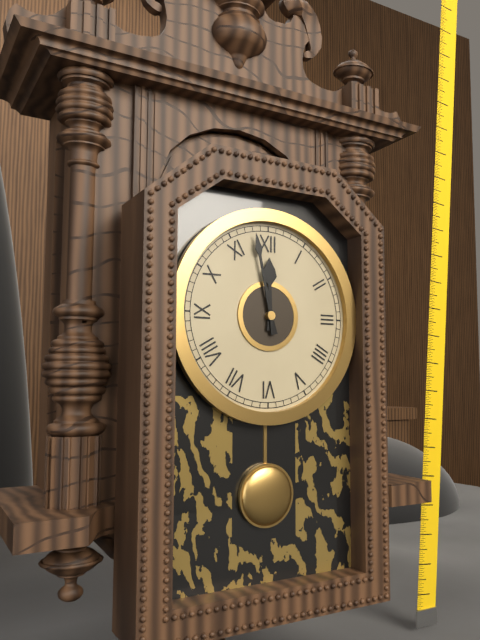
11:58
